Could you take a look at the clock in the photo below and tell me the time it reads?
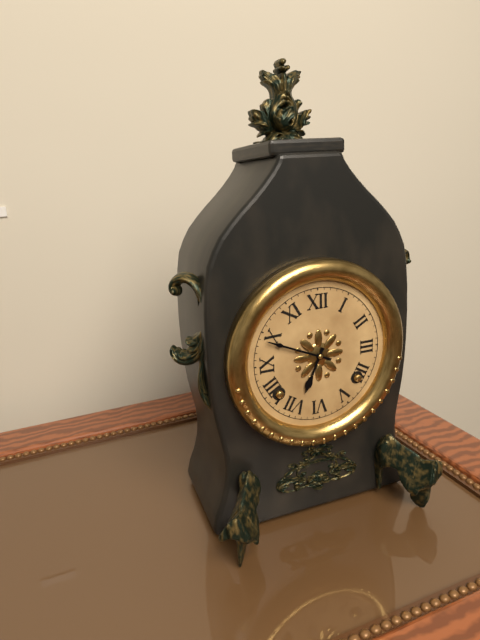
6:49
